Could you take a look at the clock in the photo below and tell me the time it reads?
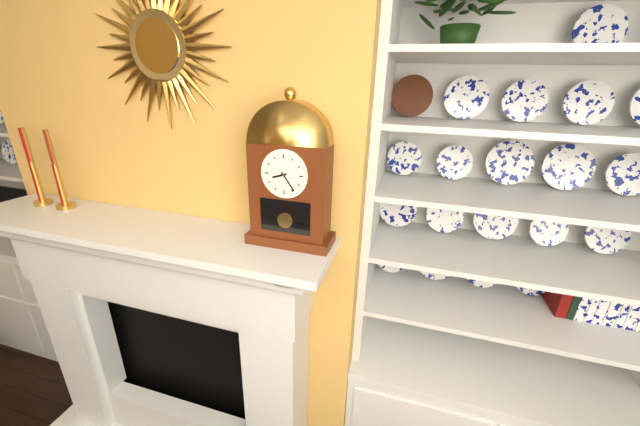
8:24
